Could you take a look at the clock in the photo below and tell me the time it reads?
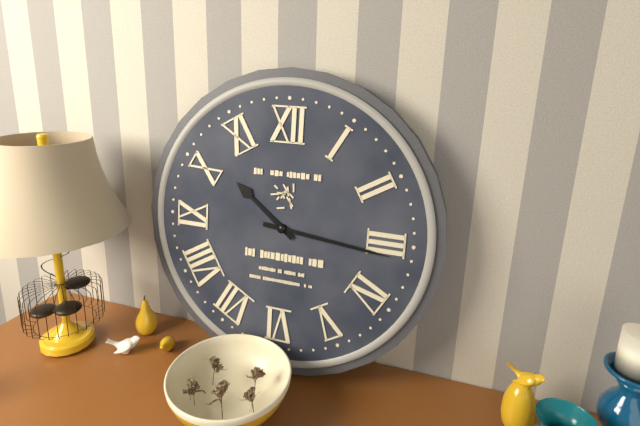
10:16
